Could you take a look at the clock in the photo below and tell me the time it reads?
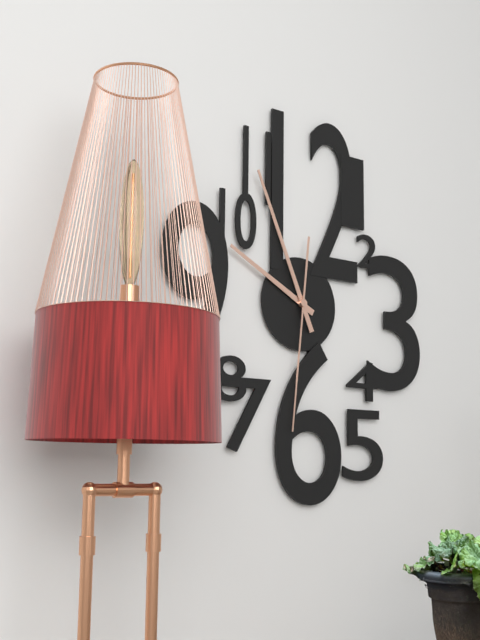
9:56:31
